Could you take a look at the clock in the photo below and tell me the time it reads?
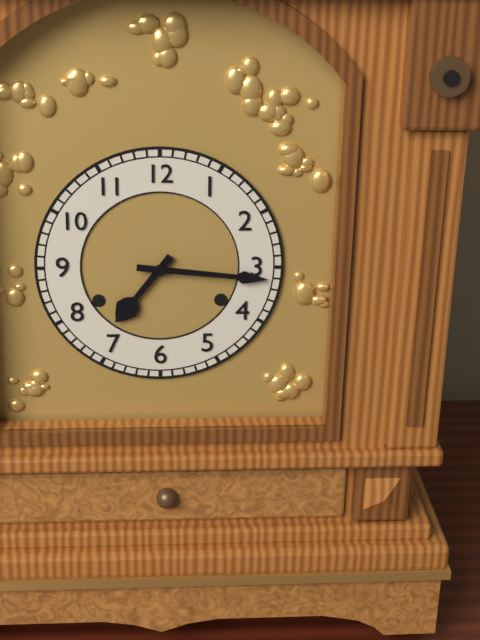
7:16
